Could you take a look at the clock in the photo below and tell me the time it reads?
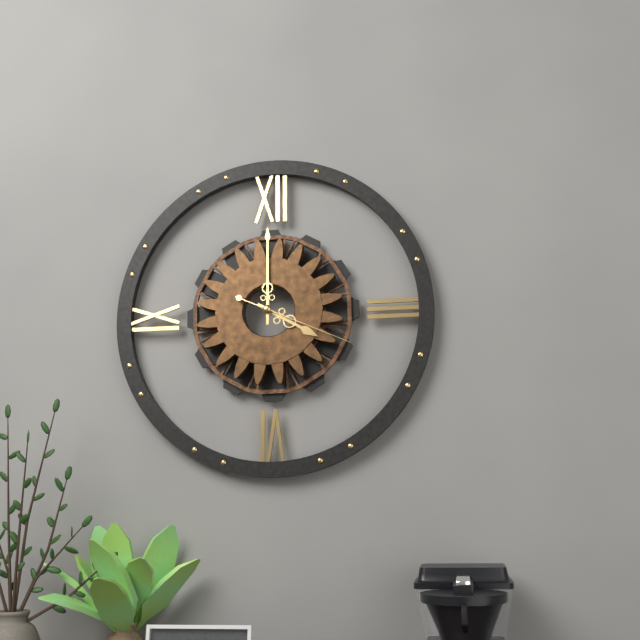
4:00:19
